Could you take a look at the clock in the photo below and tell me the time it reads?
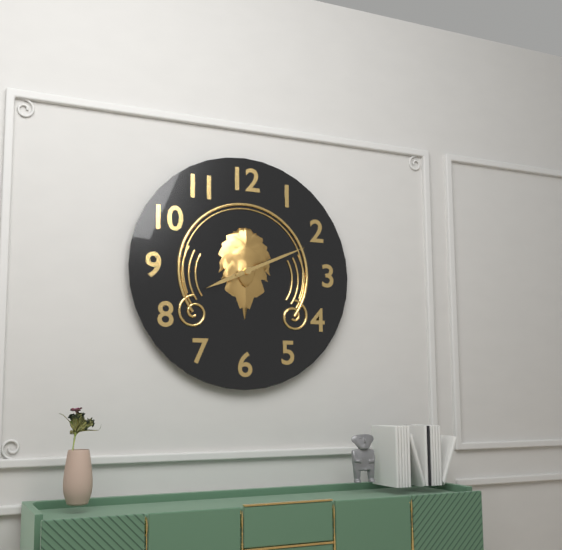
8:11
